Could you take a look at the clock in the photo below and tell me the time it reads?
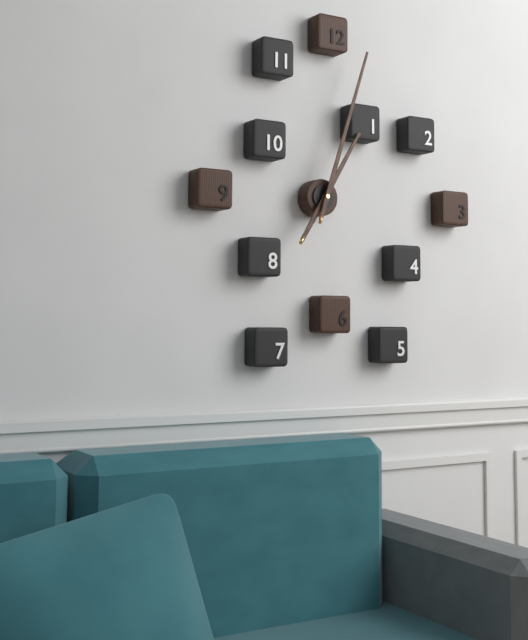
1:03
